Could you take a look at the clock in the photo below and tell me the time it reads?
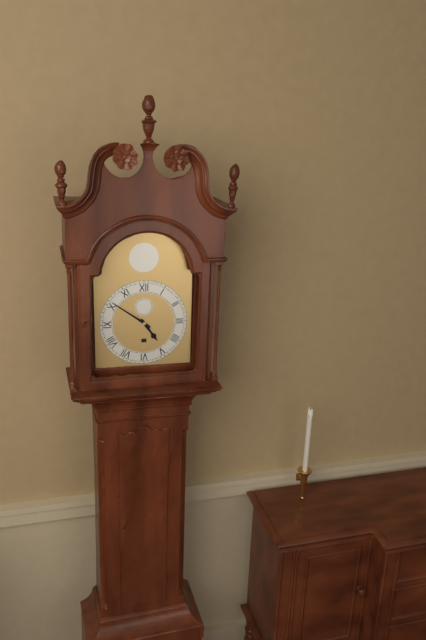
4:51
